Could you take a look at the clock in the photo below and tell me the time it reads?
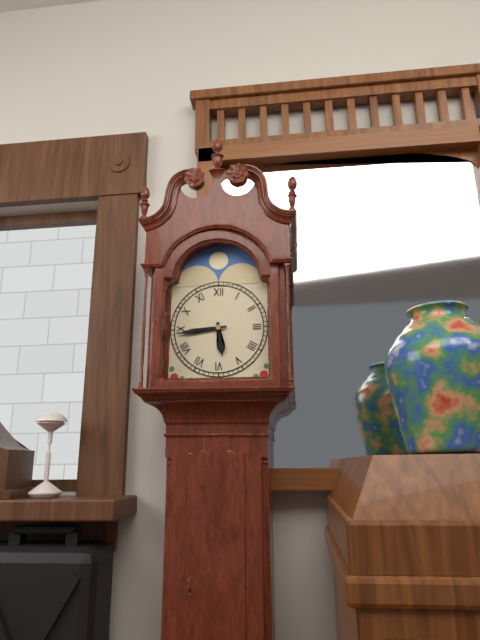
5:44
